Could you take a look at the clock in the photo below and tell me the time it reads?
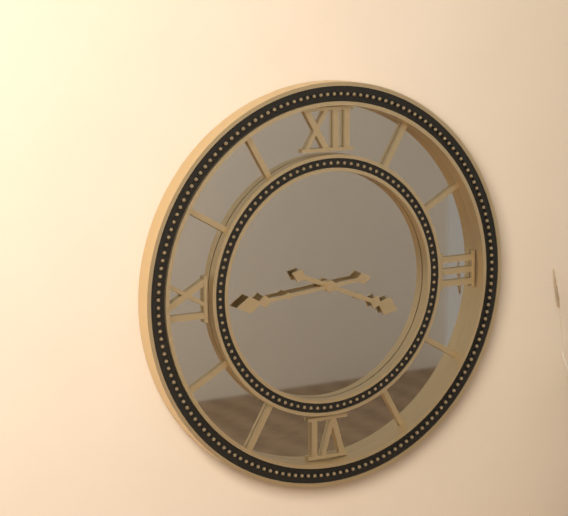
3:44
